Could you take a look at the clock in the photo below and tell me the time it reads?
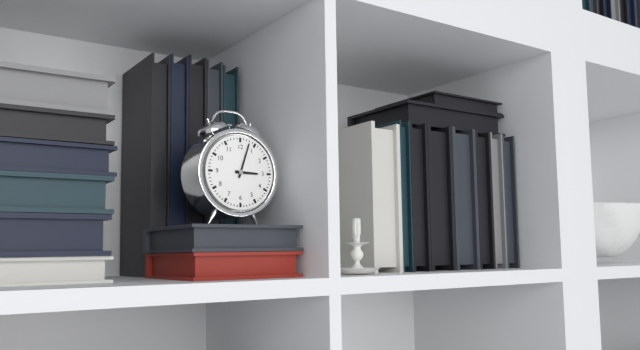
3:03
